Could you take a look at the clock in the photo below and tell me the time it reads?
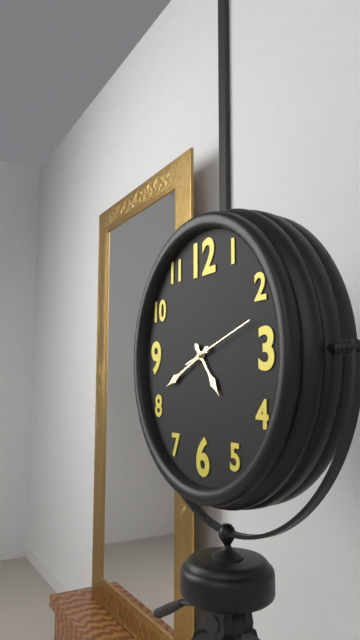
4:41:12
